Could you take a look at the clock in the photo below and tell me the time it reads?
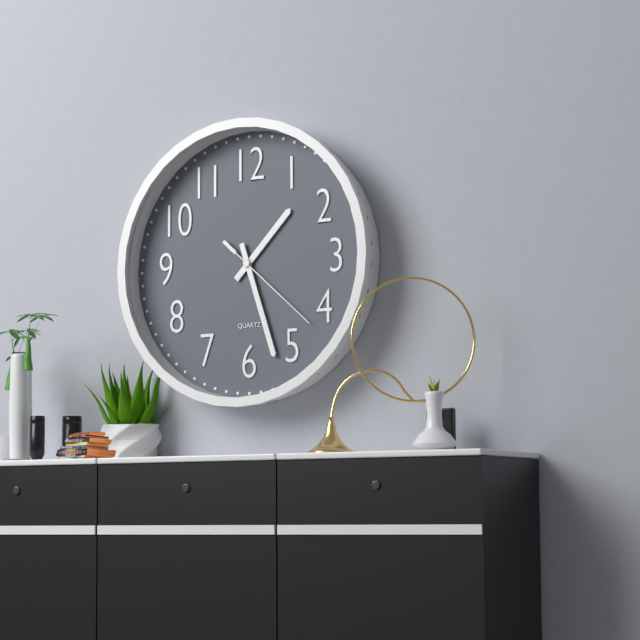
1:27:22
